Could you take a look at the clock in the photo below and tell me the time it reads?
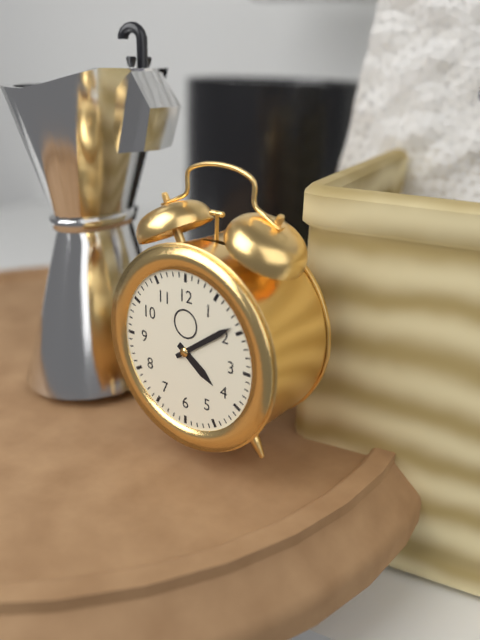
4:09
